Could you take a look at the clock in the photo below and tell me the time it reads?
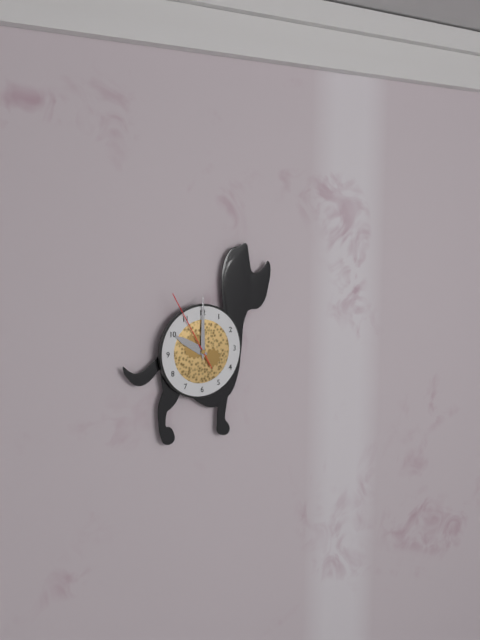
10:00:55
